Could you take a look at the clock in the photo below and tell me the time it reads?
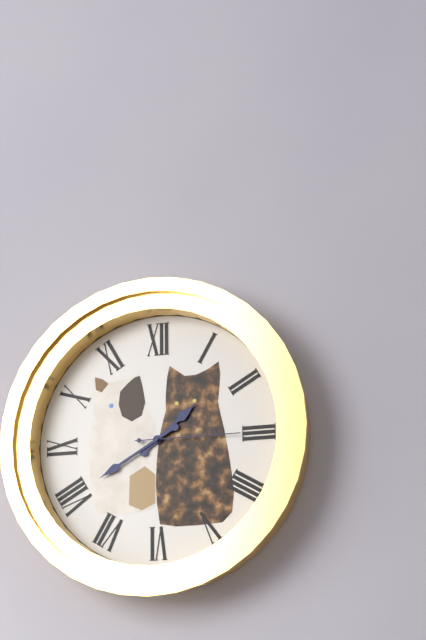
1:40:15
